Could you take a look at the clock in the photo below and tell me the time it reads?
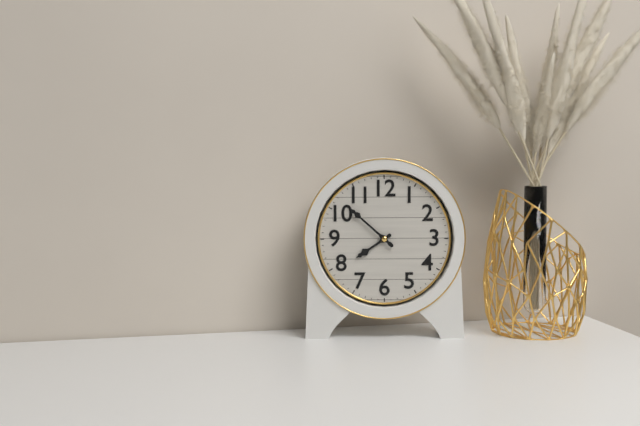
7:52
